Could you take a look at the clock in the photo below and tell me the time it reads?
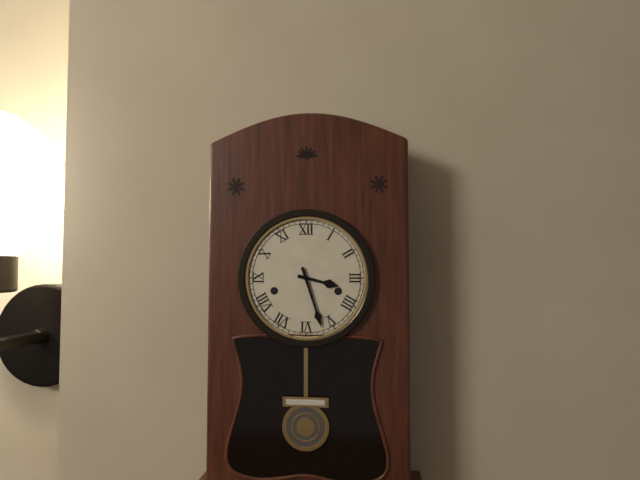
3:27
